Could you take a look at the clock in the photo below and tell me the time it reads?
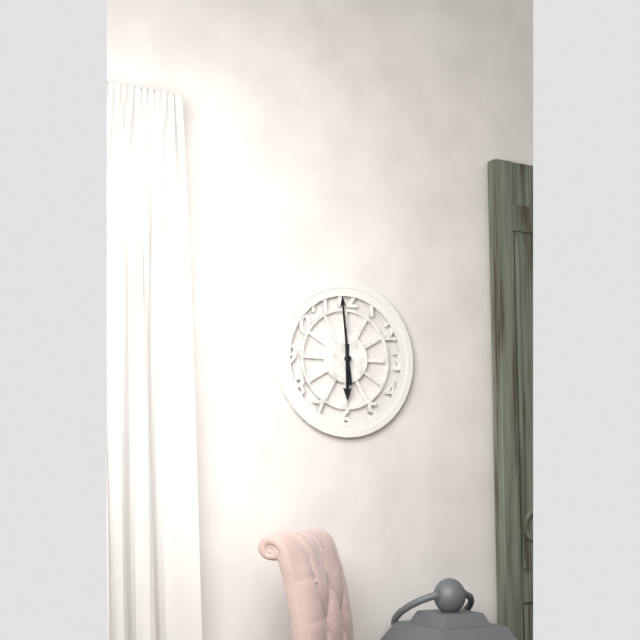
5:59
